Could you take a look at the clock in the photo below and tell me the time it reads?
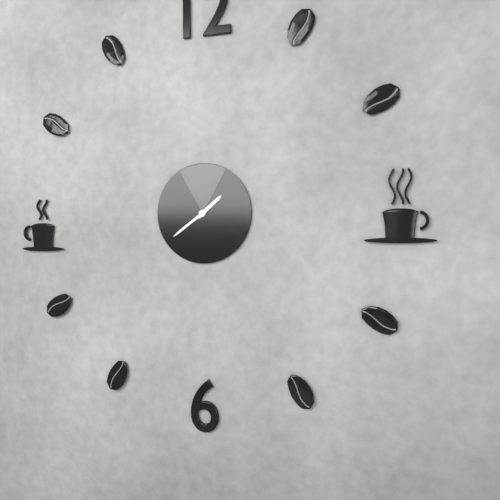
1:39
